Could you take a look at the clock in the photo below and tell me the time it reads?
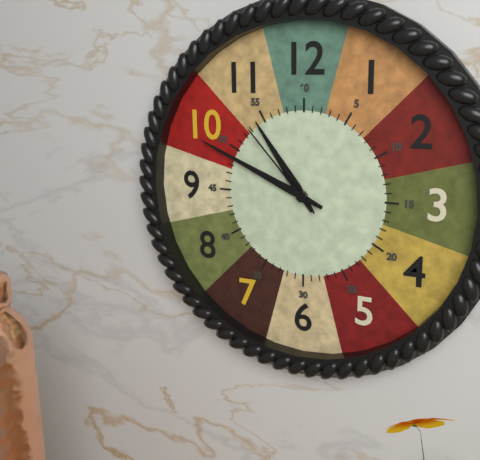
10:49:53
